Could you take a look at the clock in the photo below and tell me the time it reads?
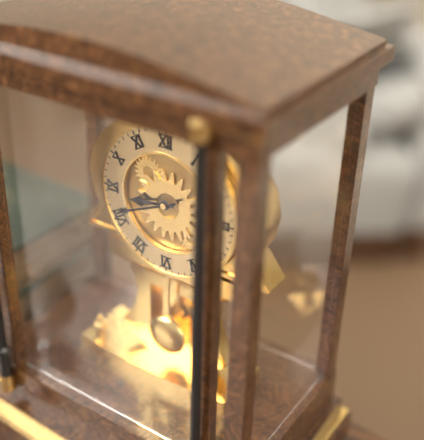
8:41
